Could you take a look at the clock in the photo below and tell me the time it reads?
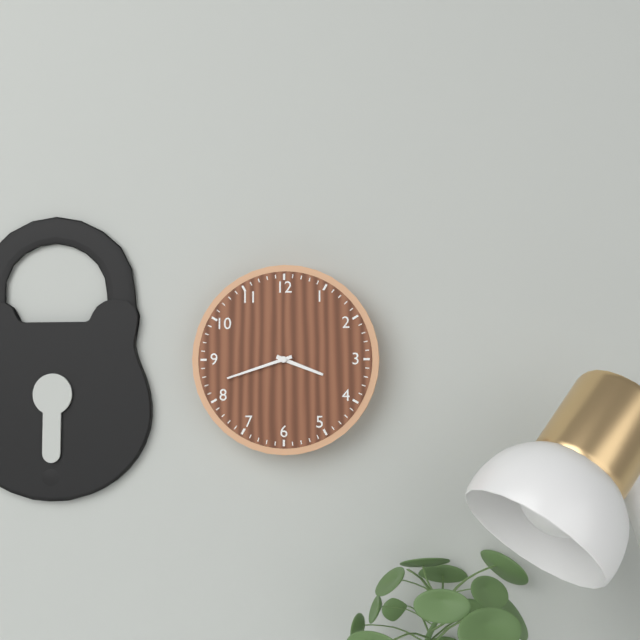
3:42
